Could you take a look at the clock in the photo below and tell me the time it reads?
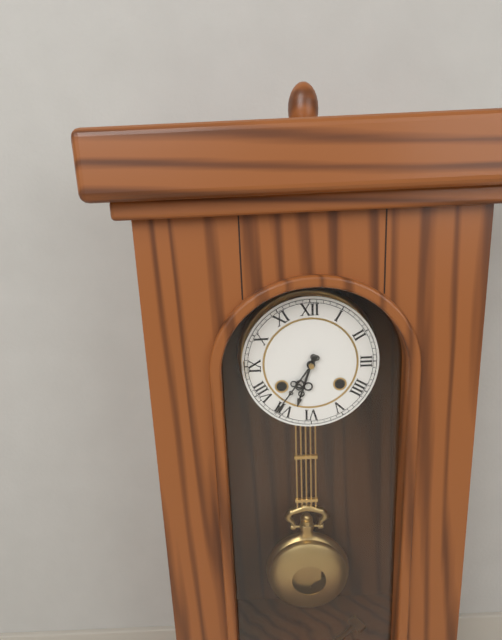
6:36
